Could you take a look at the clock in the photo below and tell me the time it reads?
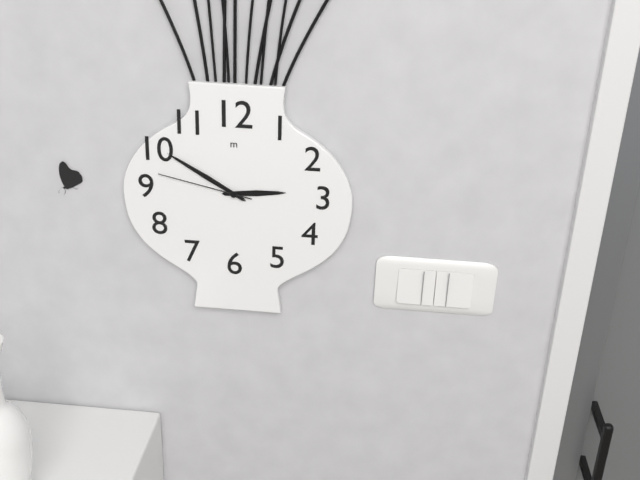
2:50:47
